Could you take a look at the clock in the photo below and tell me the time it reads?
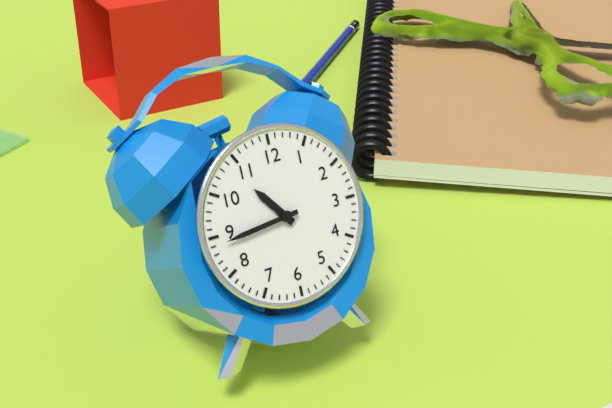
10:44
